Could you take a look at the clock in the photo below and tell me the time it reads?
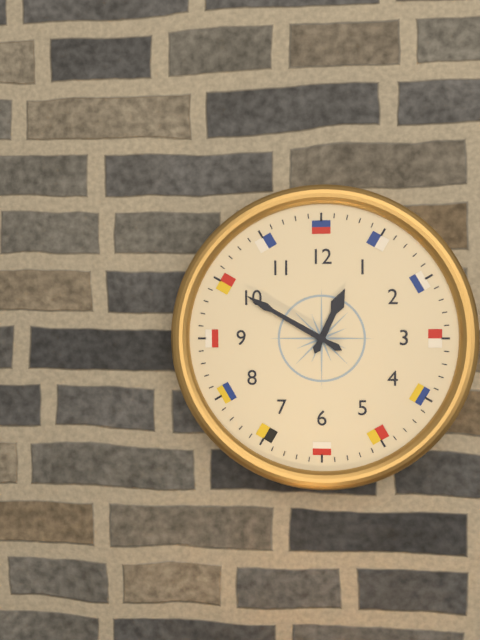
12:50
